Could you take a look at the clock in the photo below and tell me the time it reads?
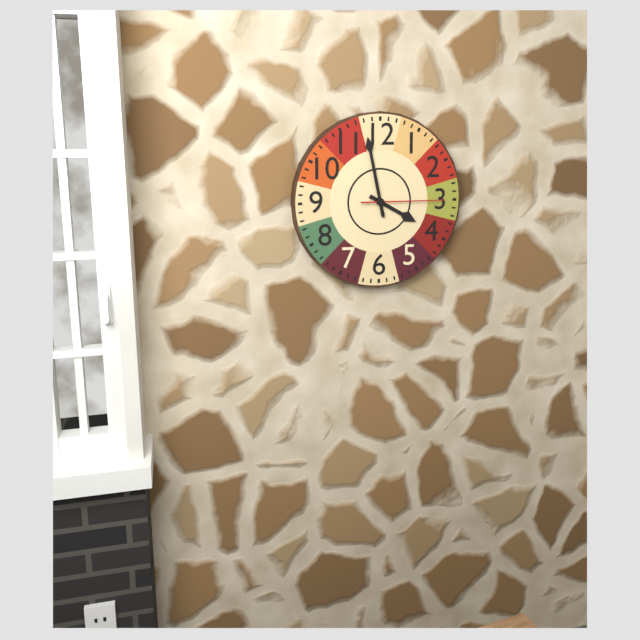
3:58:15
